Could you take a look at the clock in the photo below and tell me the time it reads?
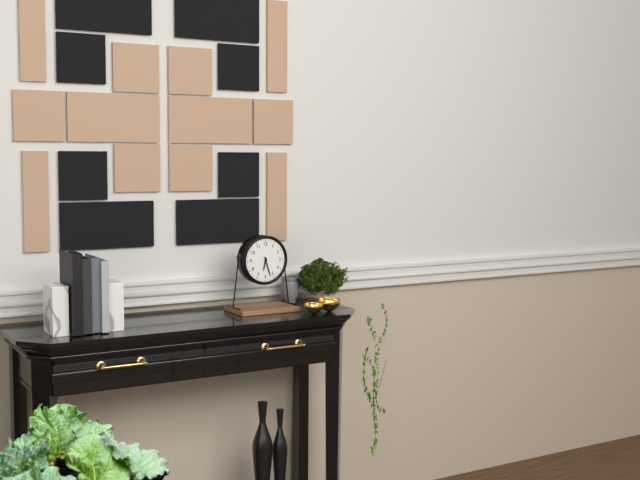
6:27
